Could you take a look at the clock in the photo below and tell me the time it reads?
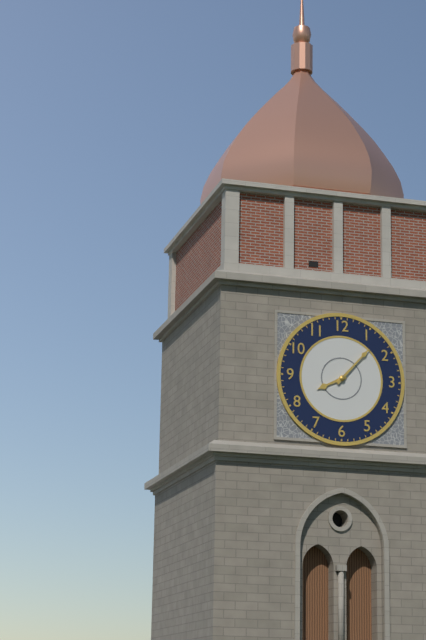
8:07
